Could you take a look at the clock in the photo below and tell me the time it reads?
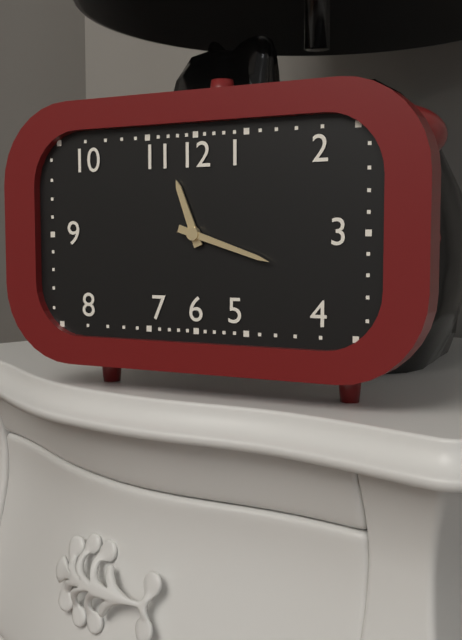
11:18
